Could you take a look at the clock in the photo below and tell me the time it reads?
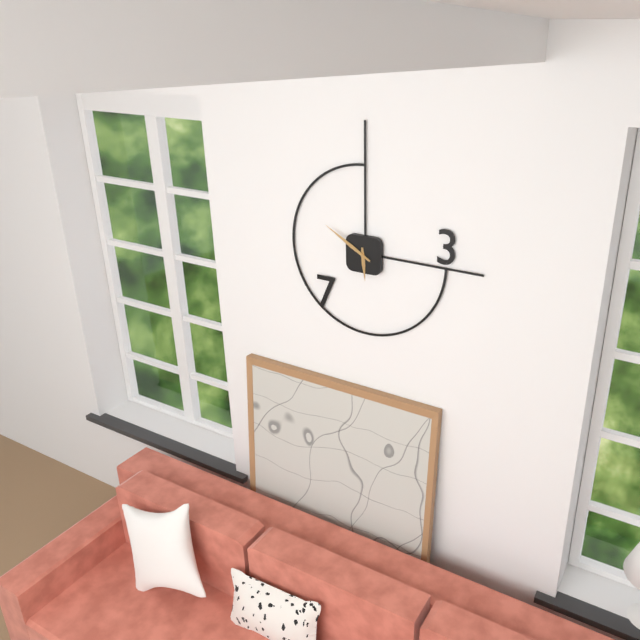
5:50
